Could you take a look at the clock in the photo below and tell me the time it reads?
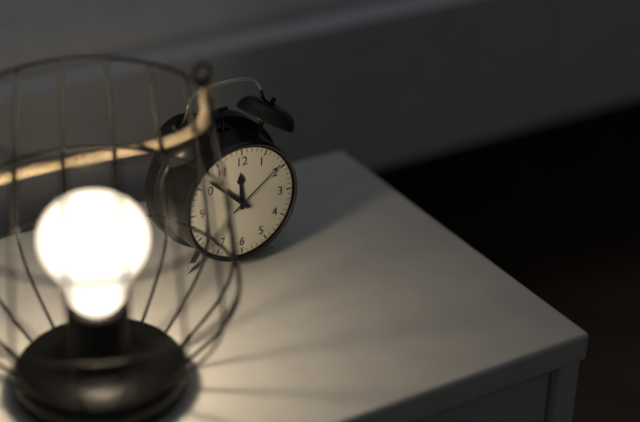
11:52:09
